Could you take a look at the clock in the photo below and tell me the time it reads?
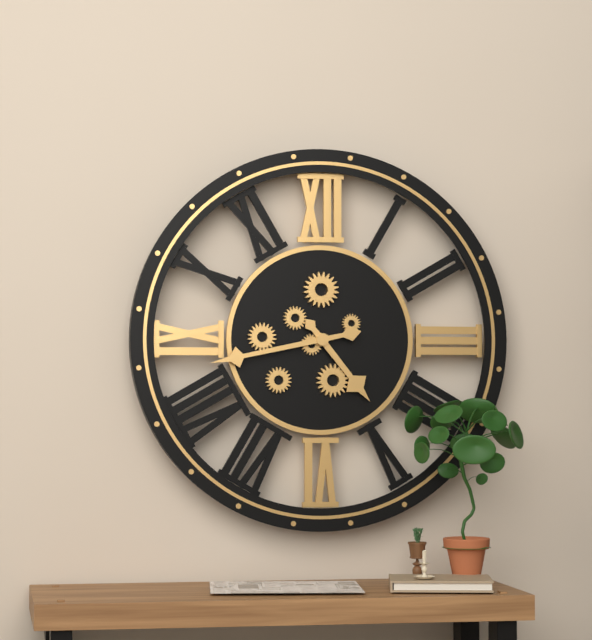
4:43
